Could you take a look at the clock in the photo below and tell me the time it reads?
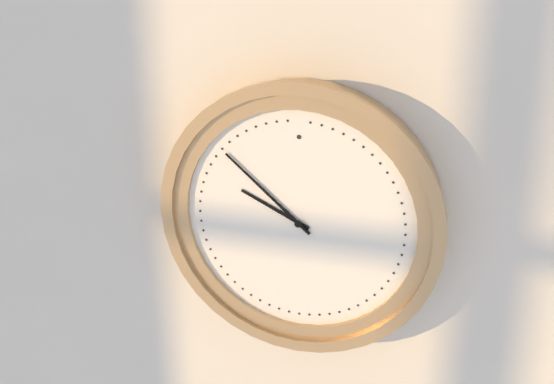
9:52
